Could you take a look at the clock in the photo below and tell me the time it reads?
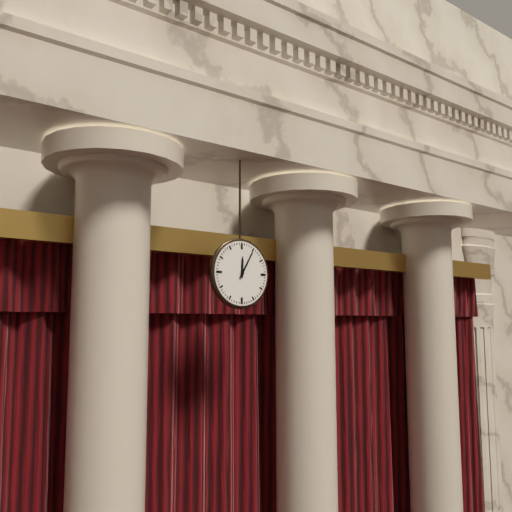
12:05
